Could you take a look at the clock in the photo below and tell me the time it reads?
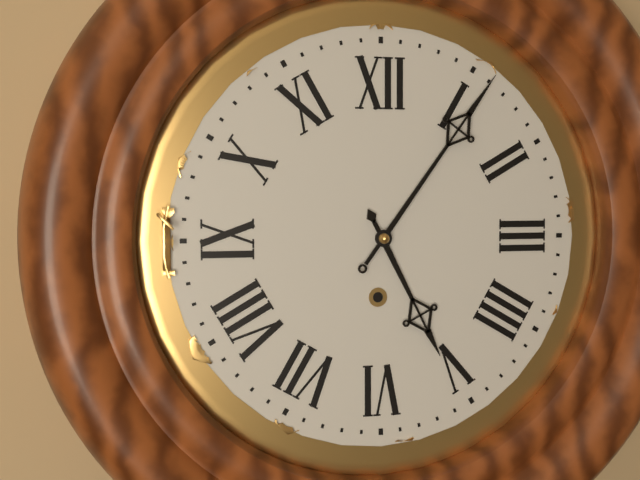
5:06
